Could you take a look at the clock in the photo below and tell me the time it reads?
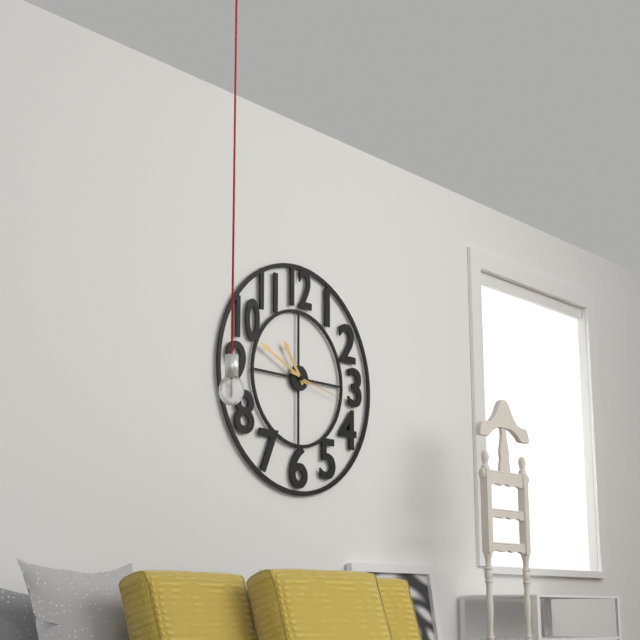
10:49:17
